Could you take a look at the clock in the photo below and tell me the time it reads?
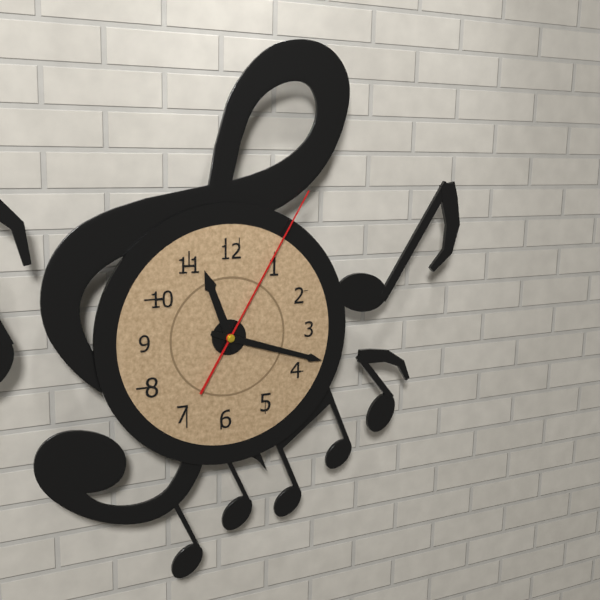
11:18:05
